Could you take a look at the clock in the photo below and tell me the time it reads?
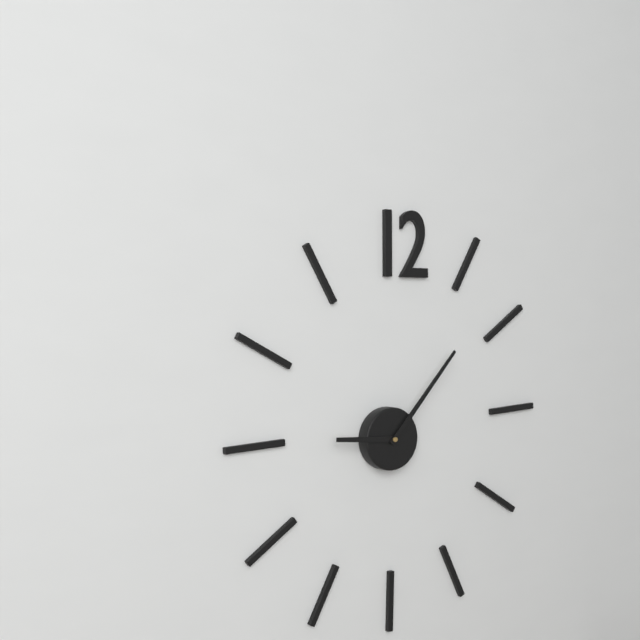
9:07
